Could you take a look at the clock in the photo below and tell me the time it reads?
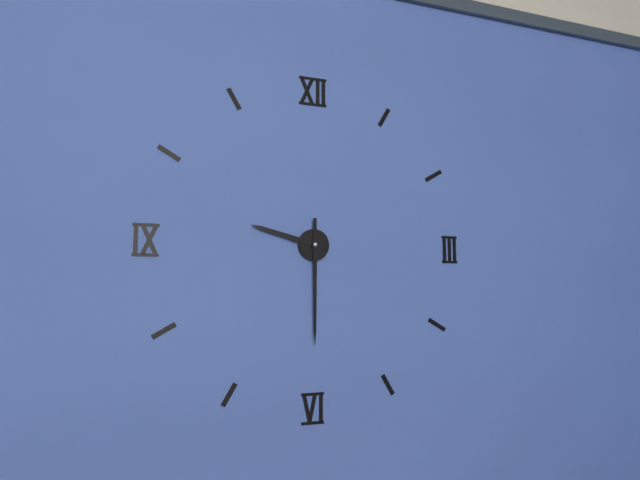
9:30
